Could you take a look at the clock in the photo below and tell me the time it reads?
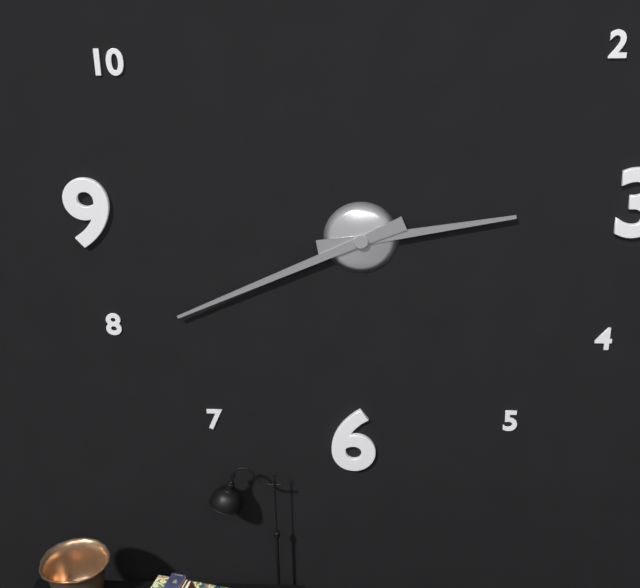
2:41
